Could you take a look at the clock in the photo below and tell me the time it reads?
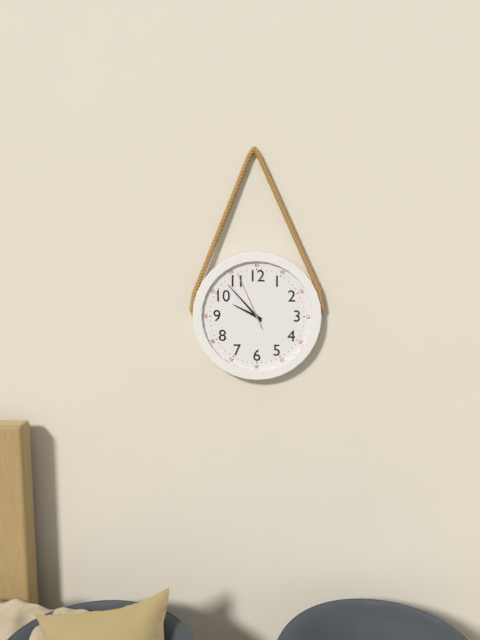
9:53:56
